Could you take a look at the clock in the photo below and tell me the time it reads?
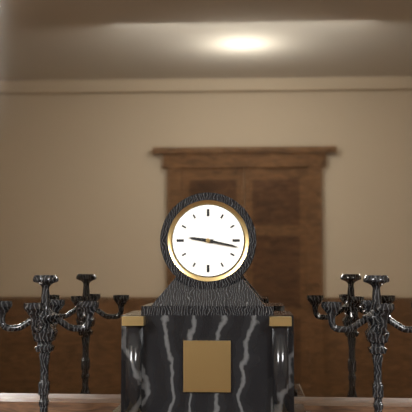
9:17
